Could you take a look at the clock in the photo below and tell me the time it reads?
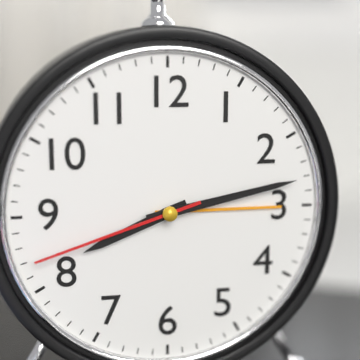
8:13:42
